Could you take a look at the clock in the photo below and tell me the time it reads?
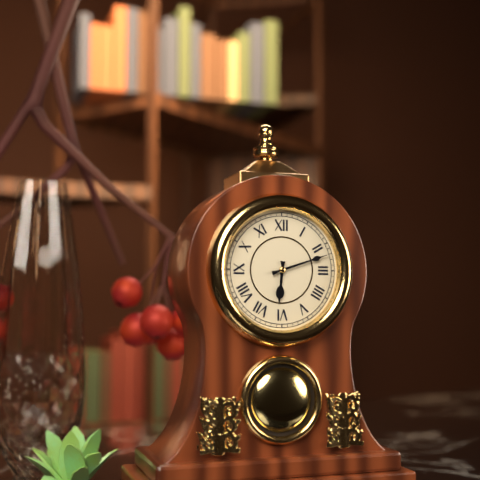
6:12
